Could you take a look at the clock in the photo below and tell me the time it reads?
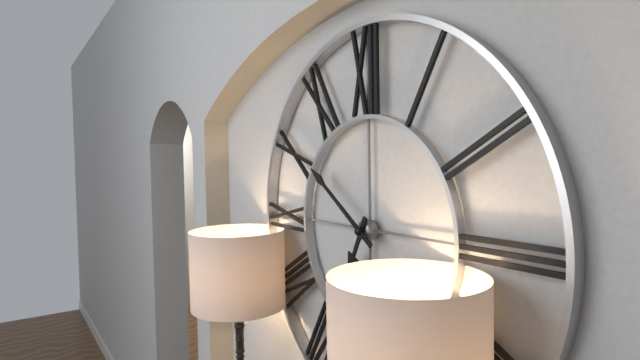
6:51
